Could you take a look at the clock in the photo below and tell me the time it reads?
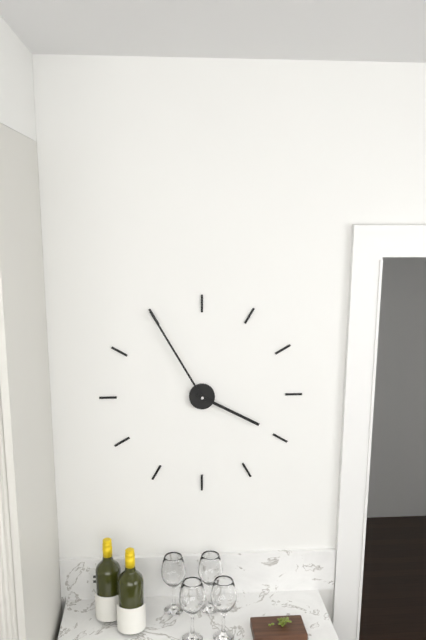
3:55
